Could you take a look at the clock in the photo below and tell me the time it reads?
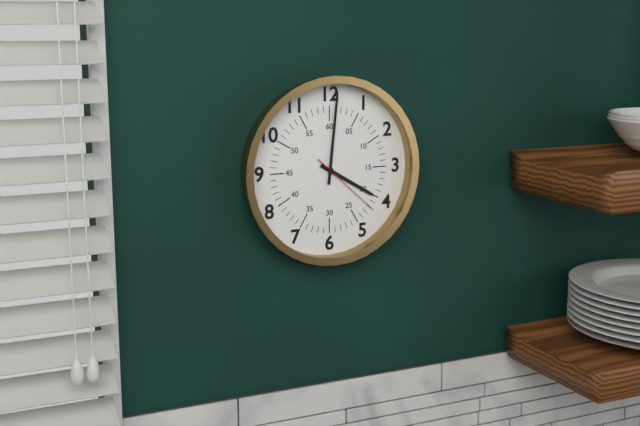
4:01:22
